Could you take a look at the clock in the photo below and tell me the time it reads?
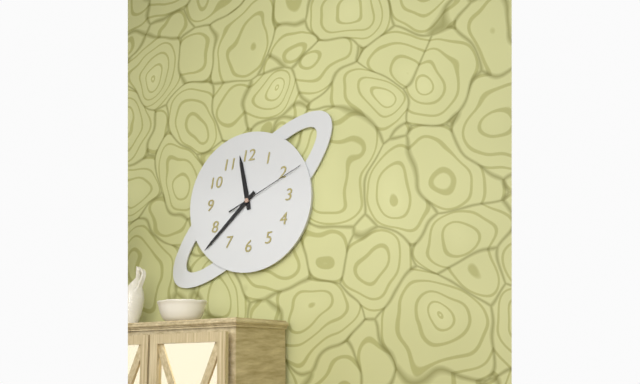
11:38:11
